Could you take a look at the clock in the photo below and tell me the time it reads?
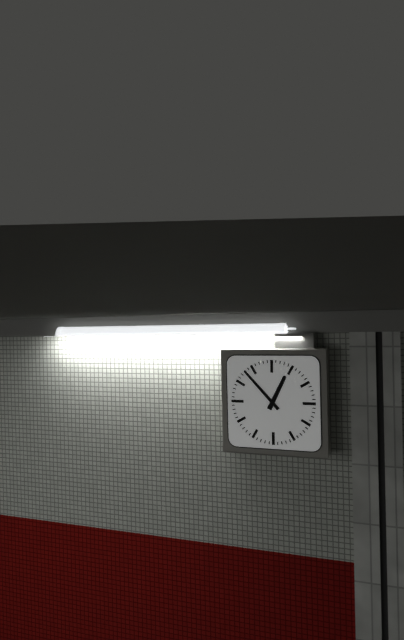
12:53
